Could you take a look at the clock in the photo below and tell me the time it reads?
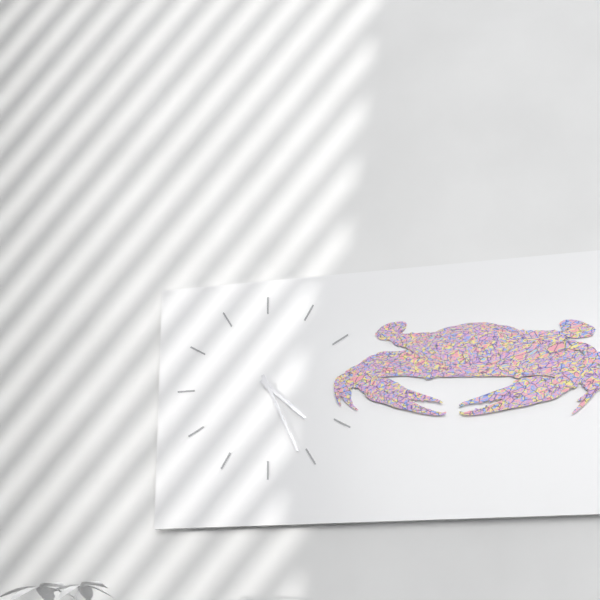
4:26
